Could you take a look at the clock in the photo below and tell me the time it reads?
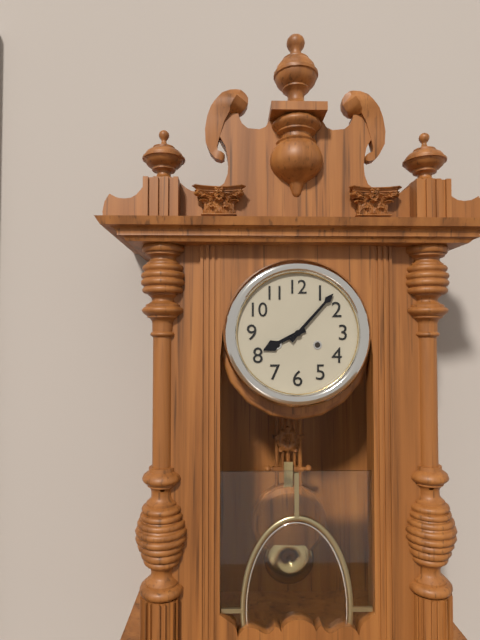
8:07
